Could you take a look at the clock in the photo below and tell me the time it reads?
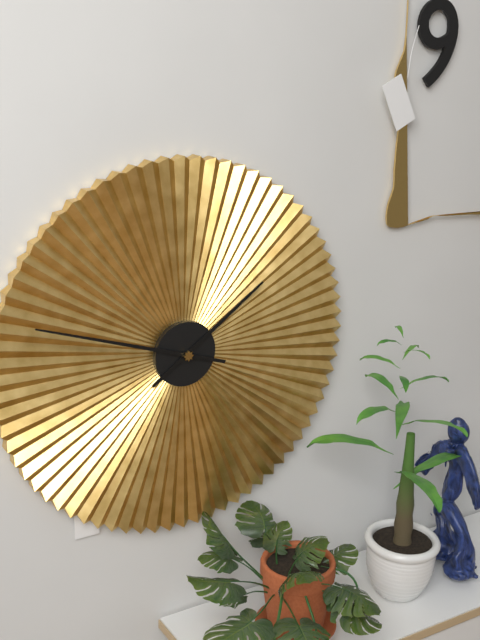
1:48
